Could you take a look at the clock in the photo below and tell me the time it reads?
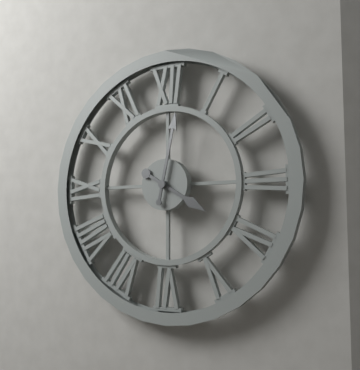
4:02
